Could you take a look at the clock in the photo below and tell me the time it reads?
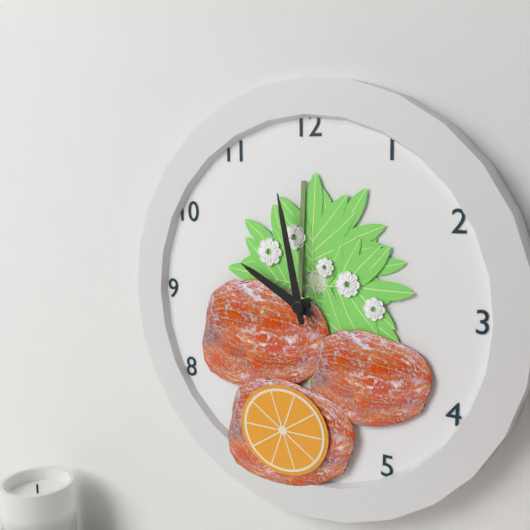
9:58
